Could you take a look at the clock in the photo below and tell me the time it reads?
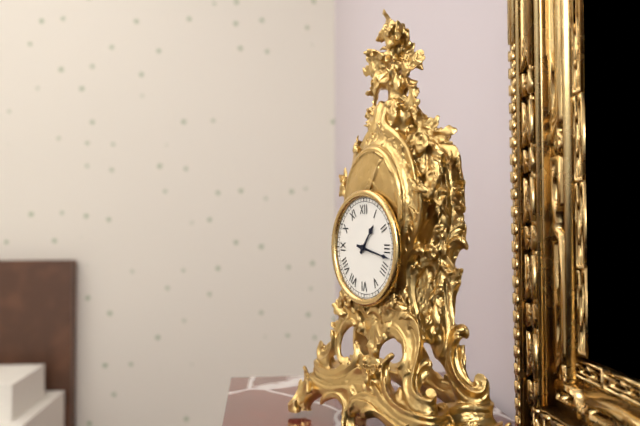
1:17
